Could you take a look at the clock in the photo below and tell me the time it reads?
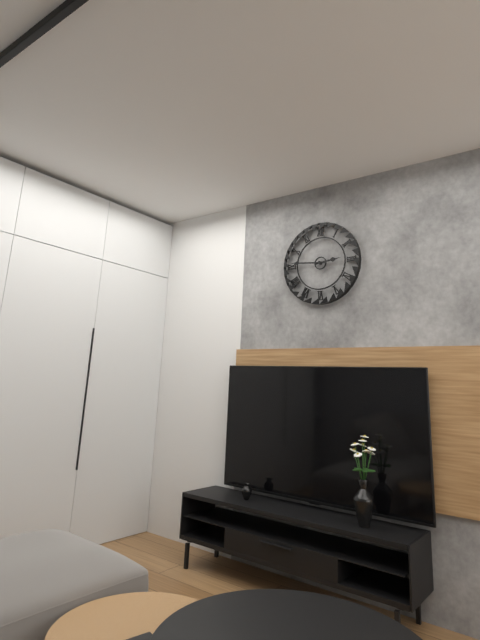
2:46
